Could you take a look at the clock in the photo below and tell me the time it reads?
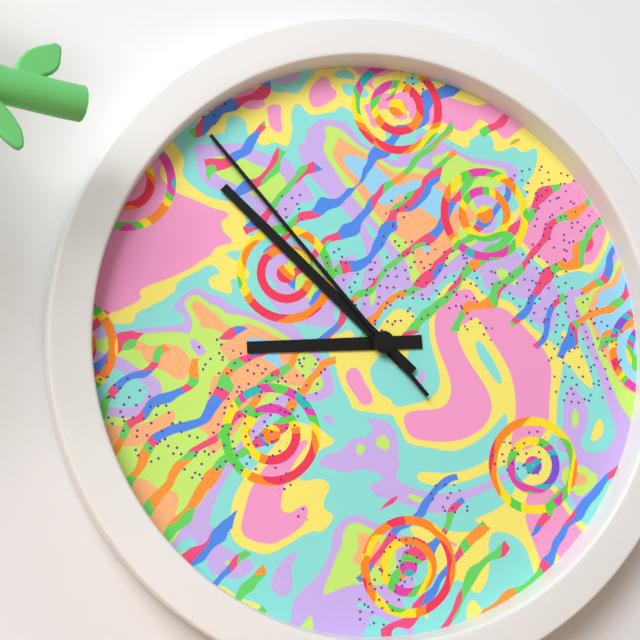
8:52:53
